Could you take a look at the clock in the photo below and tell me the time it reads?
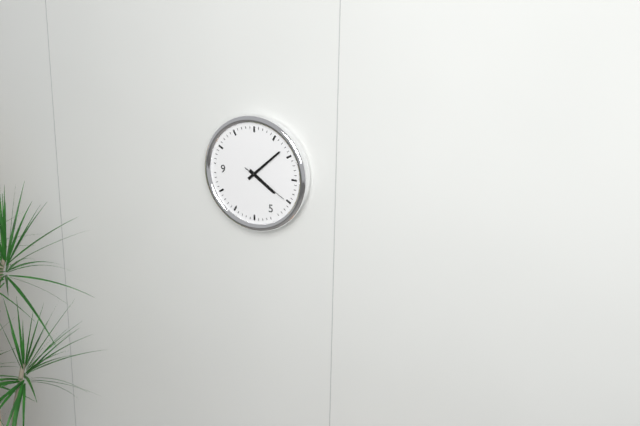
4:08
